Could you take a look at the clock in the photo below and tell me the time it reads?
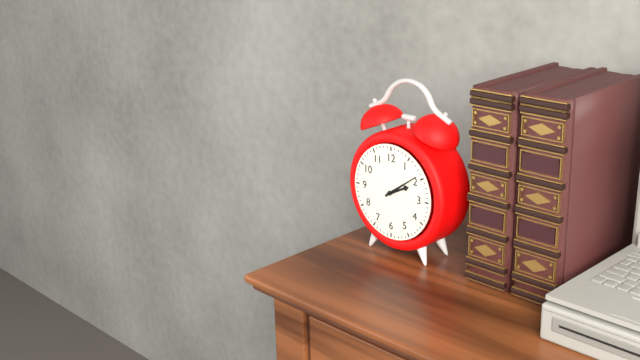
2:09
